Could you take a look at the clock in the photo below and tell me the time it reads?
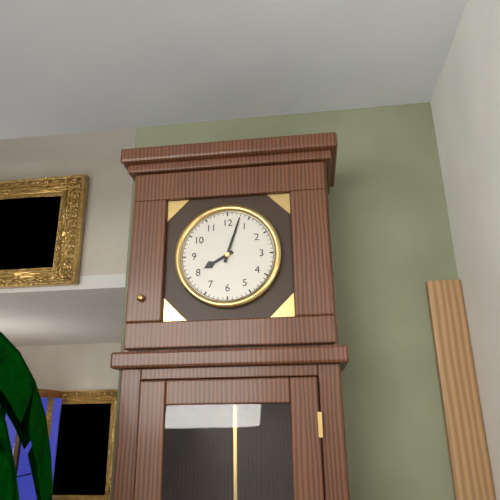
8:03
